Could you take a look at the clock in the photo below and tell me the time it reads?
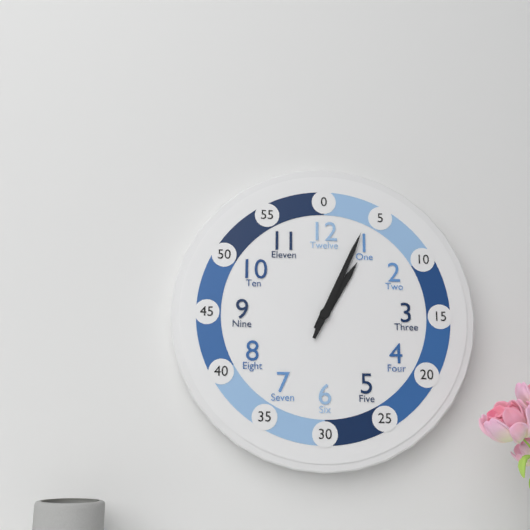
1:04
